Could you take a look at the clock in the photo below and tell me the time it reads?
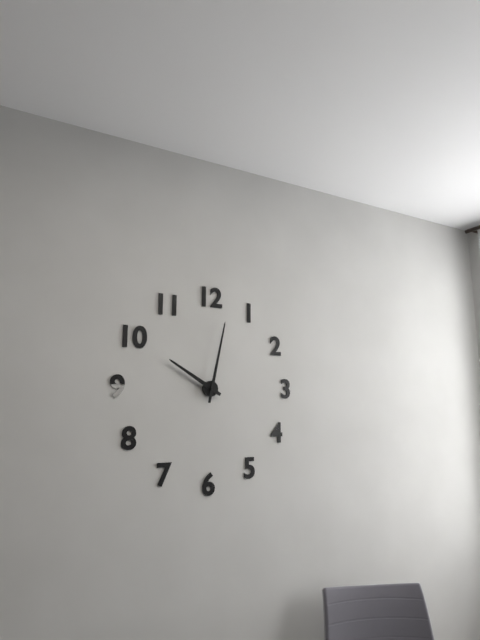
10:02
